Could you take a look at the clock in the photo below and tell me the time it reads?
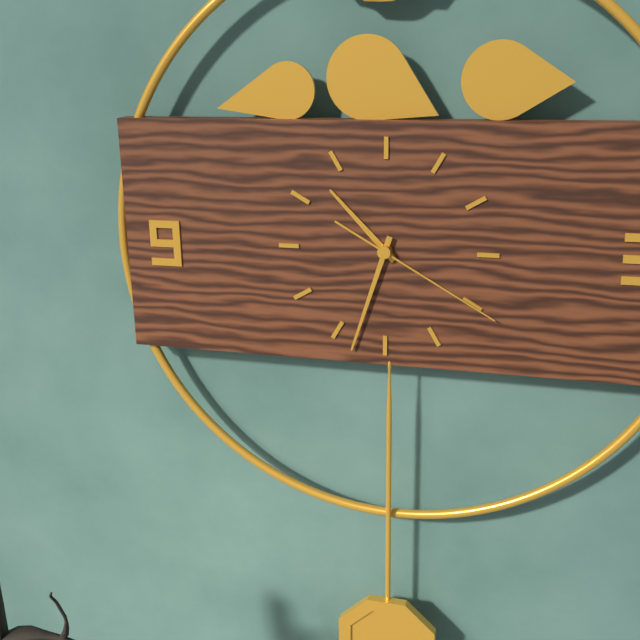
10:33:20
